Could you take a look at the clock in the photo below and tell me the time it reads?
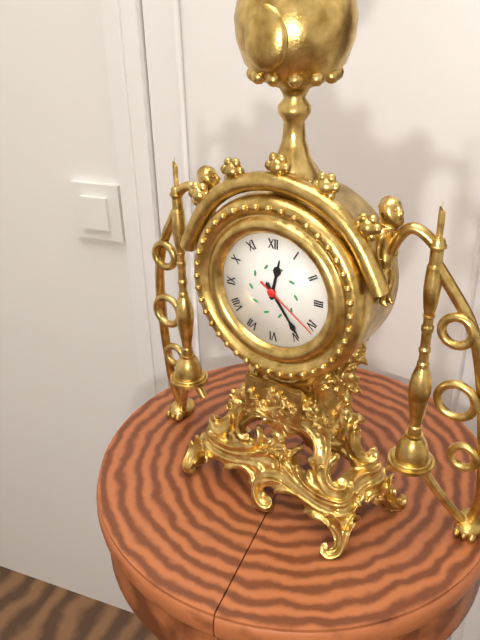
12:24:21
